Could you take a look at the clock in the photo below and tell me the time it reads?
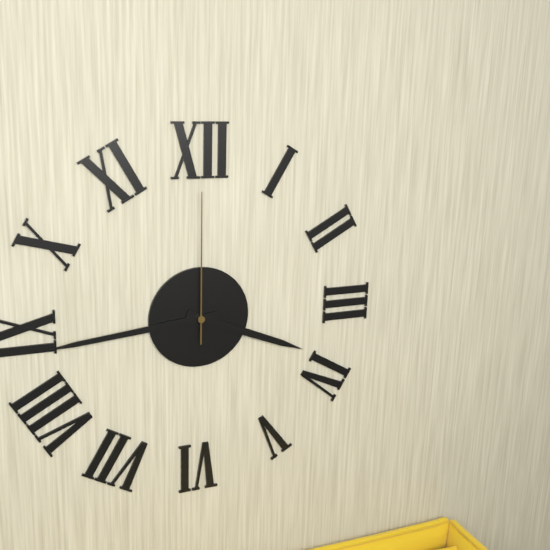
3:44:00
